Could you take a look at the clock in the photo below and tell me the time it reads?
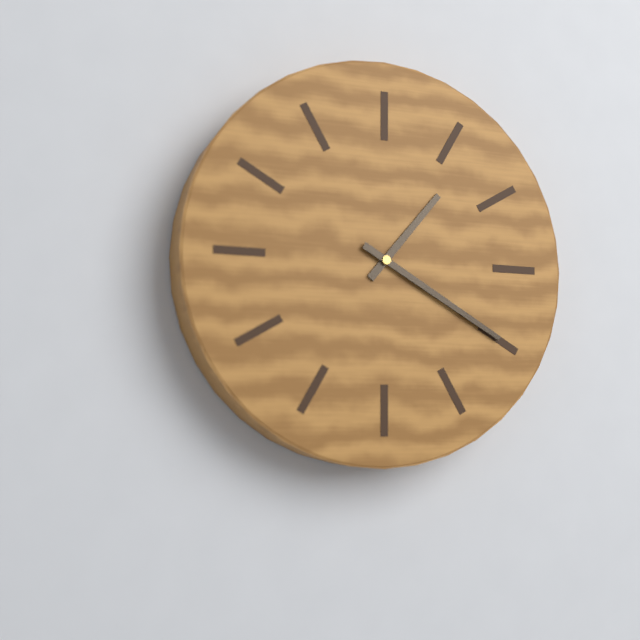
1:20
